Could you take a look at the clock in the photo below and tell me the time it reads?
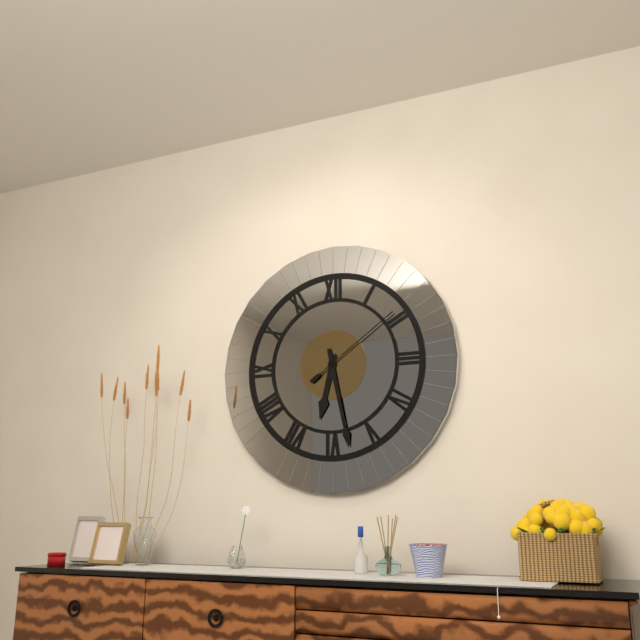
6:28:09
